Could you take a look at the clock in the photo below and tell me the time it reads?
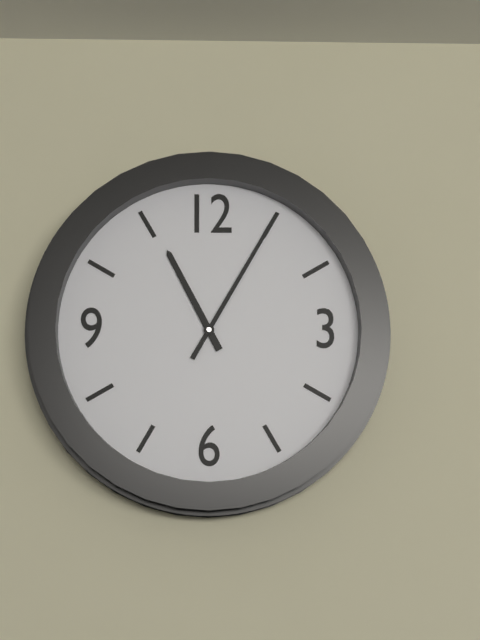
11:05
